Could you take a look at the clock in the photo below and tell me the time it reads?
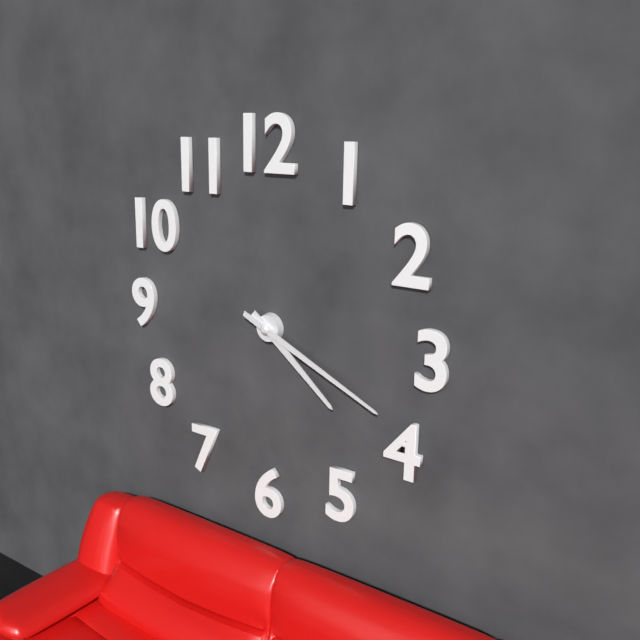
4:19
